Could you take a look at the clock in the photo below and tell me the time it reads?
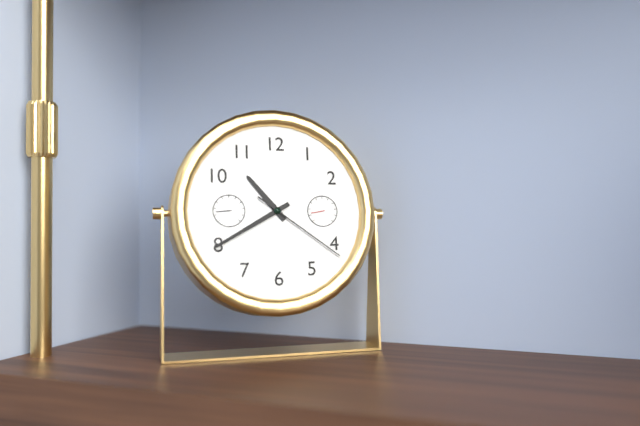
10:40:21
